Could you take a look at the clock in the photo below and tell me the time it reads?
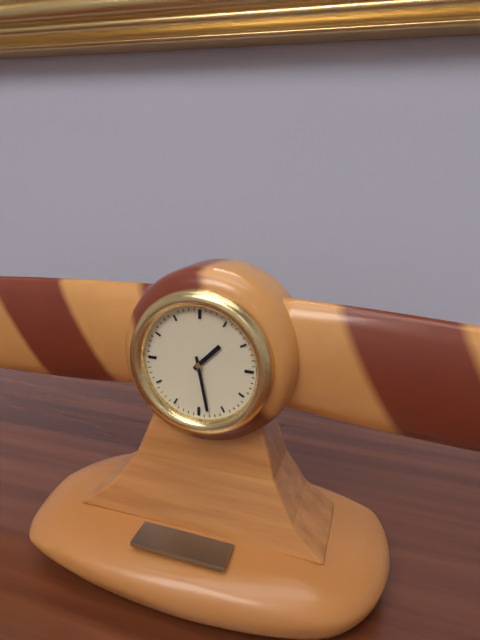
1:28
